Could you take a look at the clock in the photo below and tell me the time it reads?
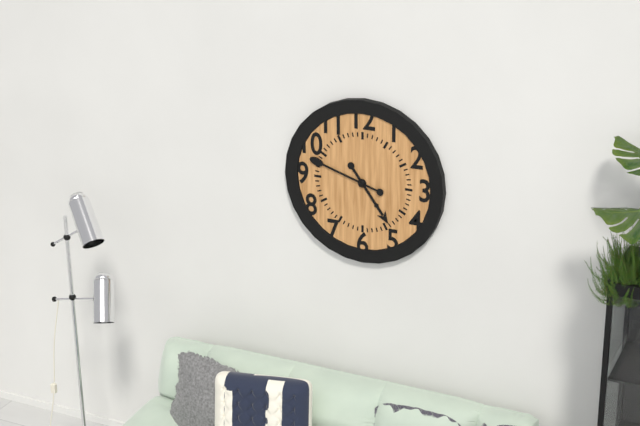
4:48
